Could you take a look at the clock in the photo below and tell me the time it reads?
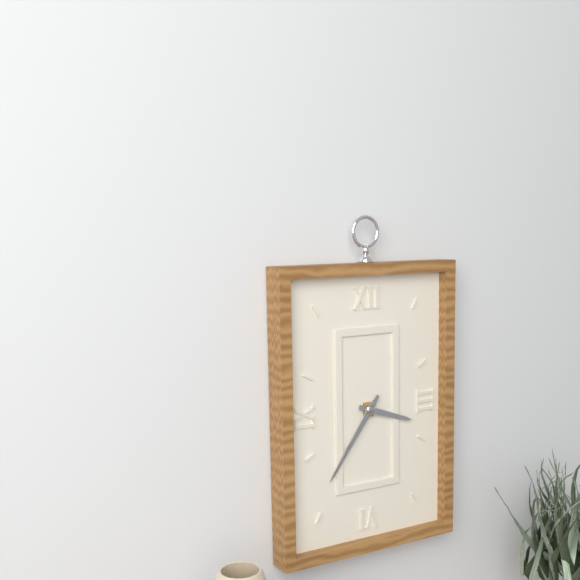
3:36
